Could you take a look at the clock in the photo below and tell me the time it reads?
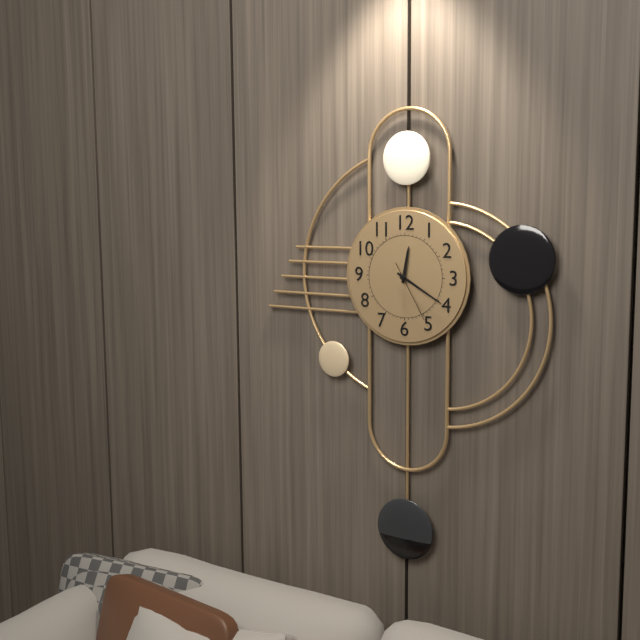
12:20:25
